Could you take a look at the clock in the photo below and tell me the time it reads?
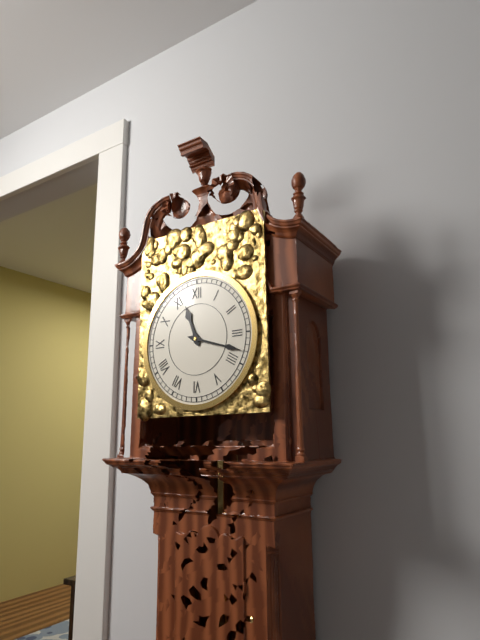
11:18
